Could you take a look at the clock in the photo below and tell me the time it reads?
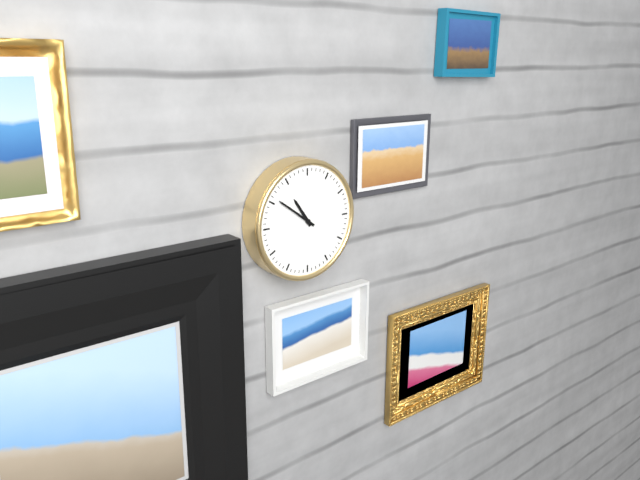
10:51
